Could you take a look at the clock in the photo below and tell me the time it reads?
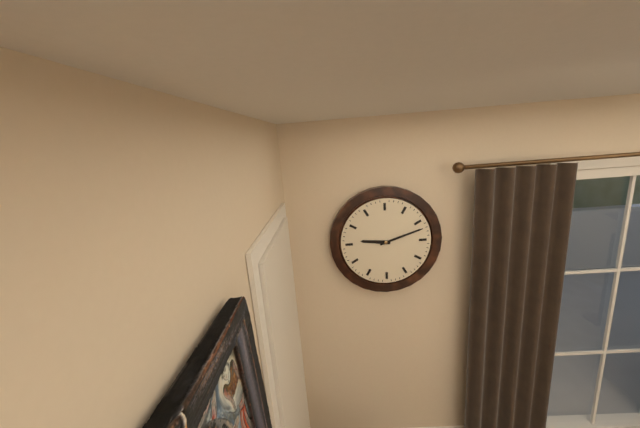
9:12
